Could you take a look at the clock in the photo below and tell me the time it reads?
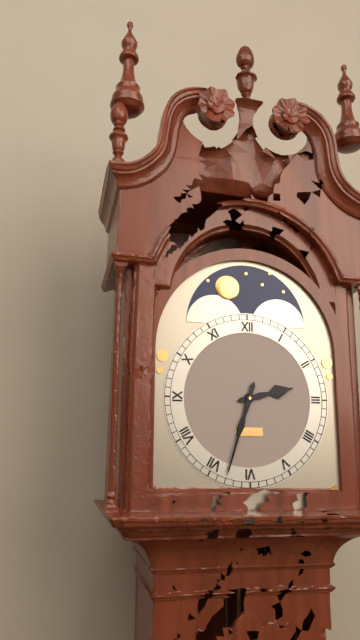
2:33
